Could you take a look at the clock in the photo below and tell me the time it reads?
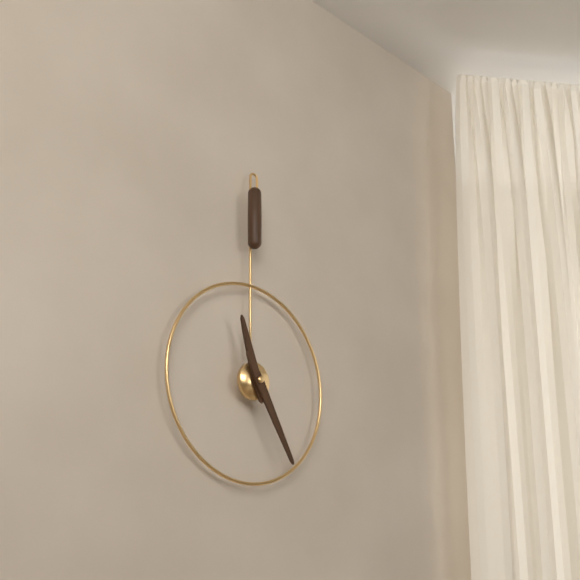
11:25
